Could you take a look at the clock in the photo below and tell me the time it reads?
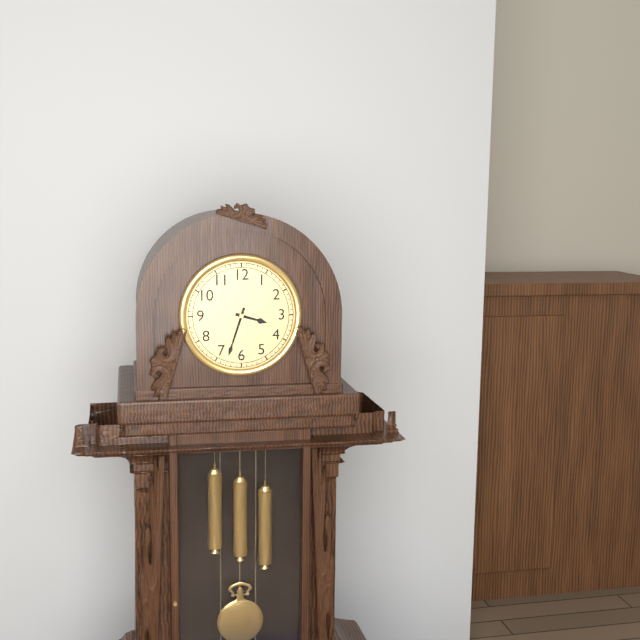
3:33
